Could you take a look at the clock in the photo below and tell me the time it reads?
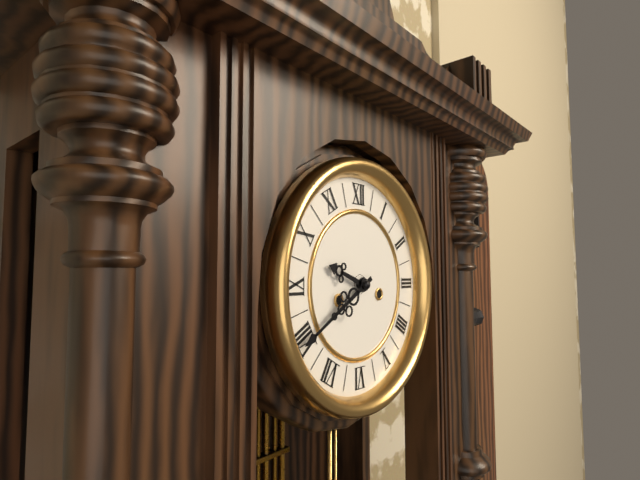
9:40
